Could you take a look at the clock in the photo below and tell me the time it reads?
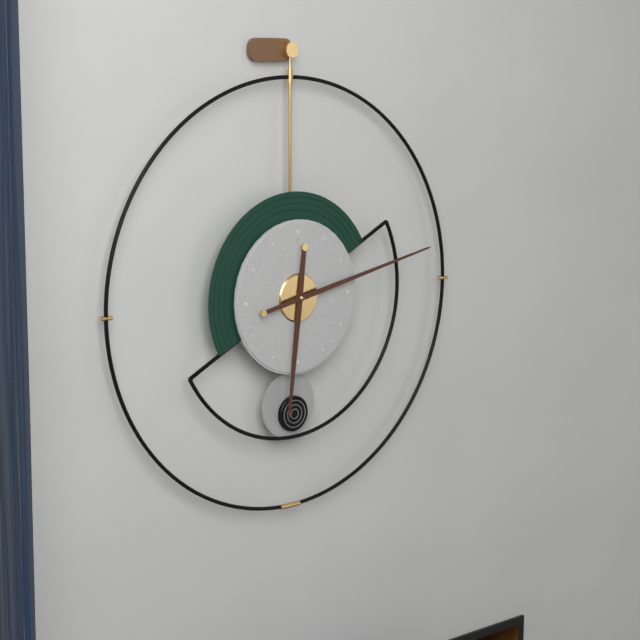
6:13
